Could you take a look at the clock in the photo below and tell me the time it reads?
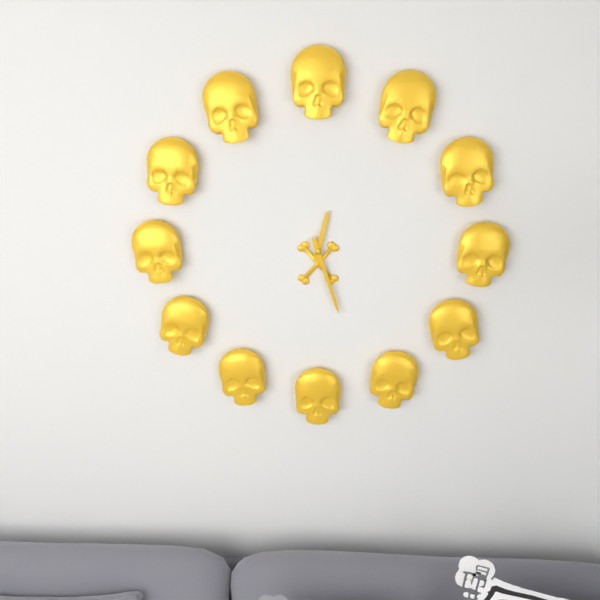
12:27
